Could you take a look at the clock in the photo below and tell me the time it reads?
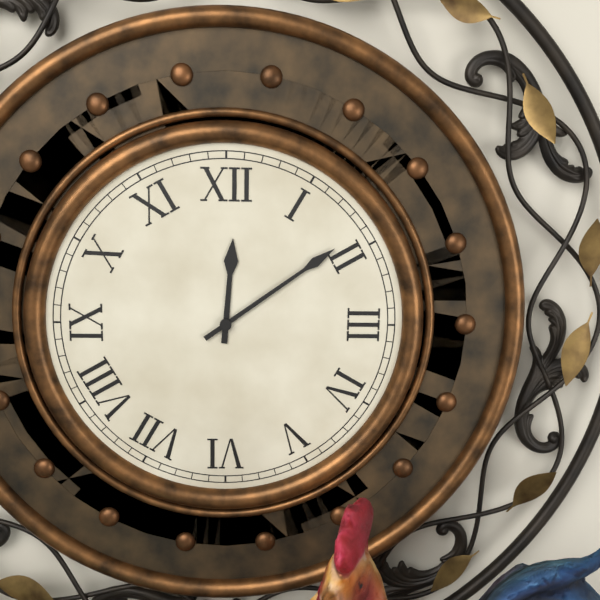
12:09
